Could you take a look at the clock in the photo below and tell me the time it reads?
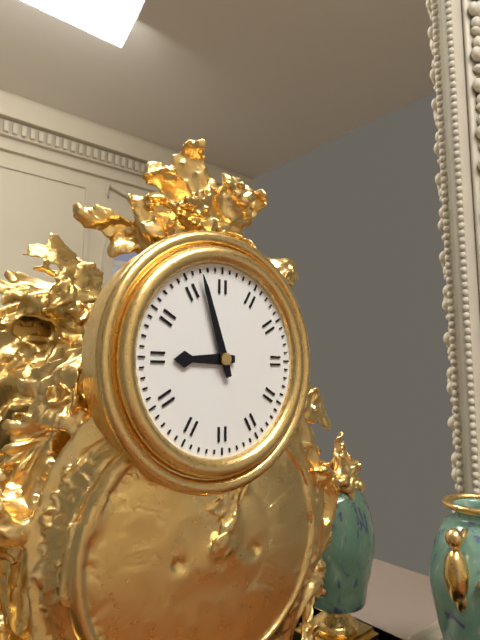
8:57
